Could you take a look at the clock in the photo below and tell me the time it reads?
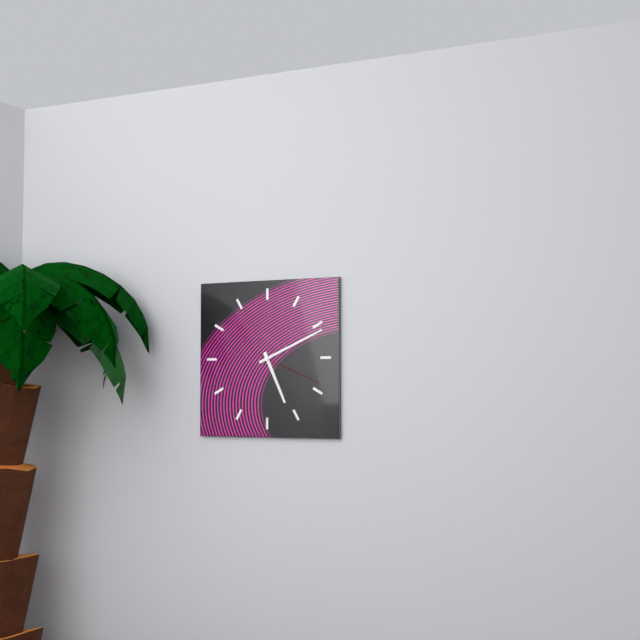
5:11:19
